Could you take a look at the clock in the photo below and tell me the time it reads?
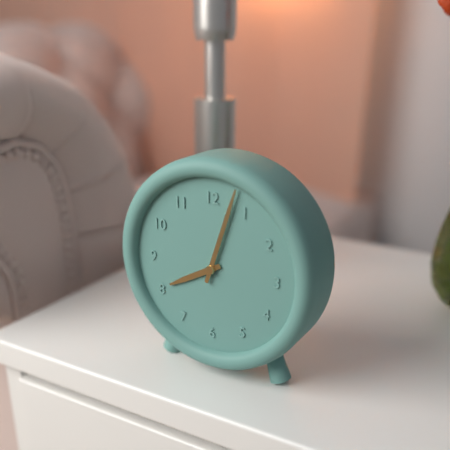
8:03
